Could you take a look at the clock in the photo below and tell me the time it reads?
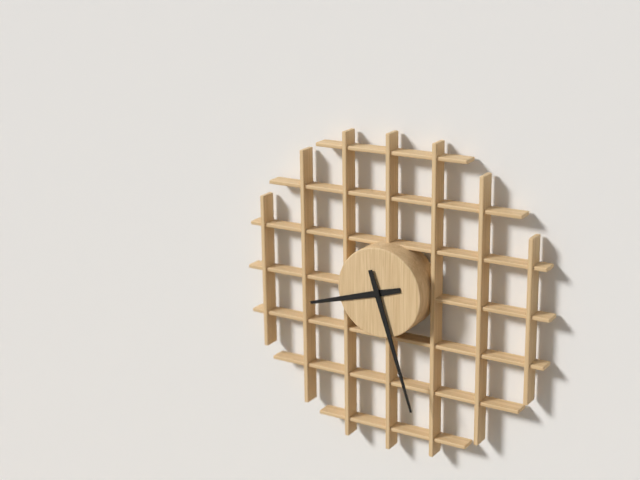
8:27
